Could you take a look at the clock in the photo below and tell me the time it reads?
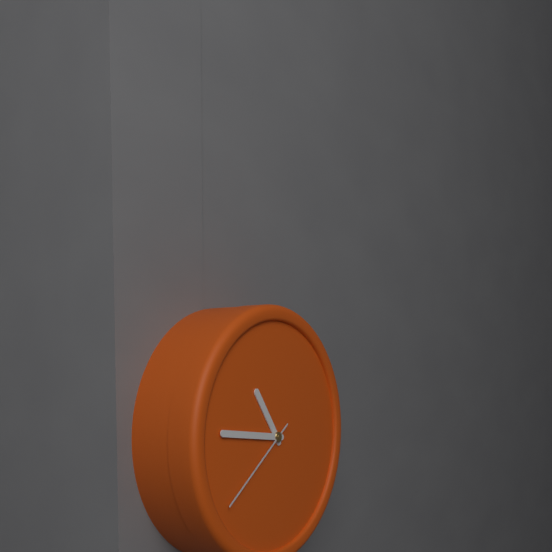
10:46:39
